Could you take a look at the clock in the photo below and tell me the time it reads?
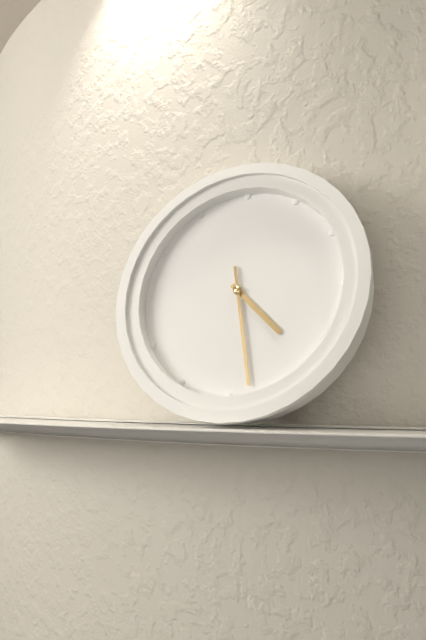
4:28
